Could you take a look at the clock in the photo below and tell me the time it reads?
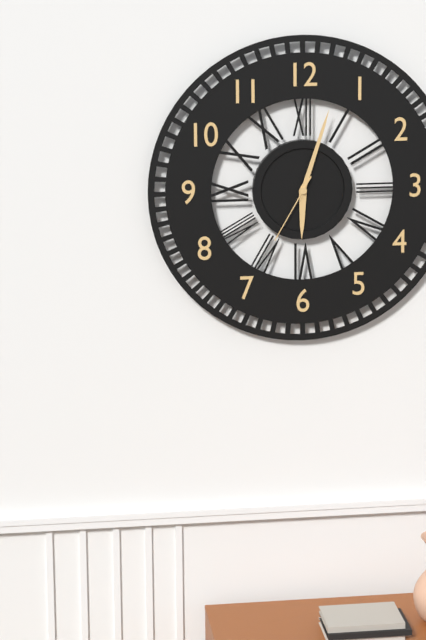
6:03:35
